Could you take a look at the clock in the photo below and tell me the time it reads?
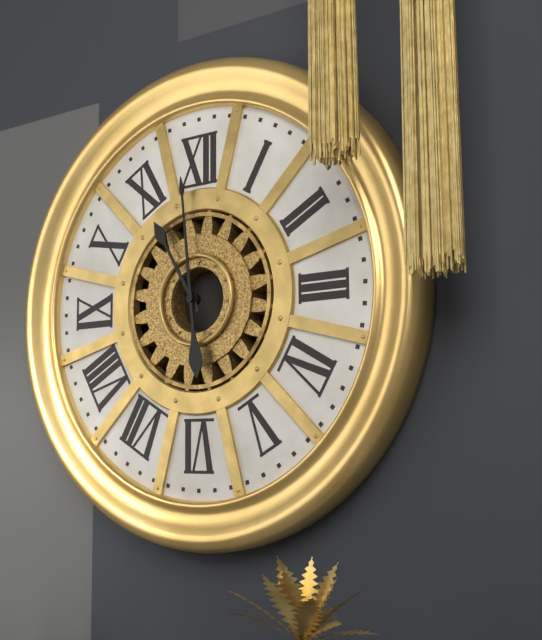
10:59
